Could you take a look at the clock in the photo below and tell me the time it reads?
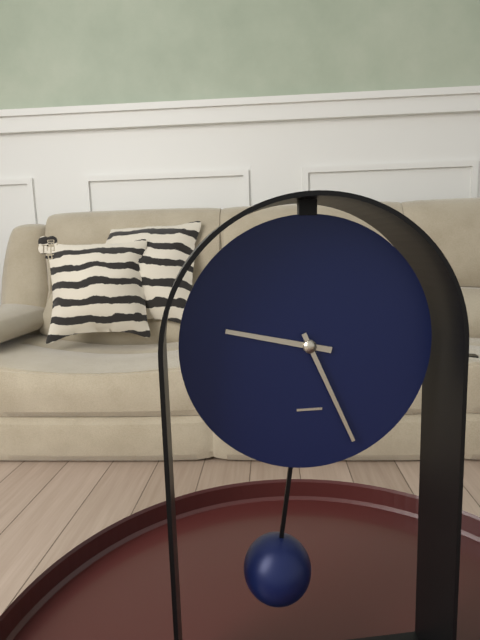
9:26
